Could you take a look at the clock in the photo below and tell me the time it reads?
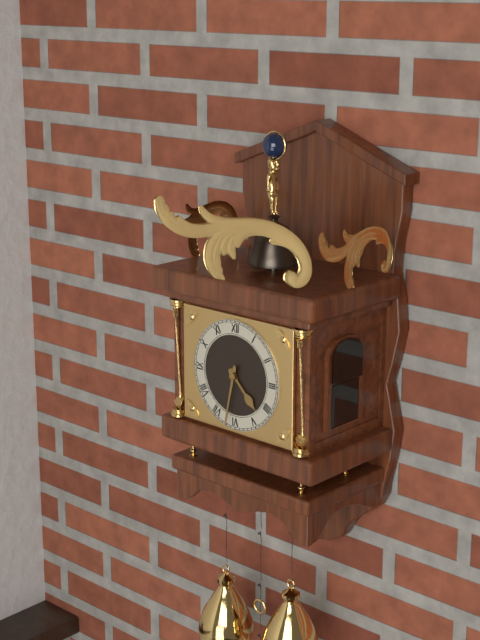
4:32
